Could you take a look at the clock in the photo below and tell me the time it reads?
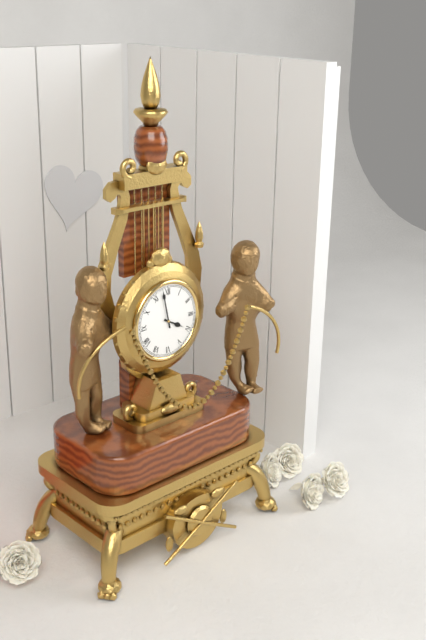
3:58
